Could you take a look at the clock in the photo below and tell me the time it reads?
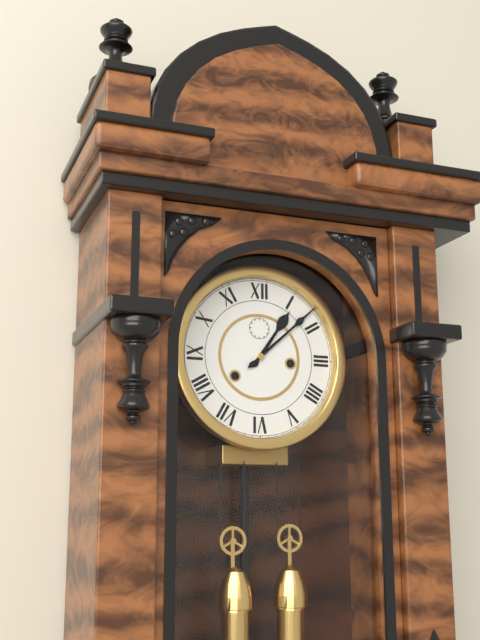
1:08
